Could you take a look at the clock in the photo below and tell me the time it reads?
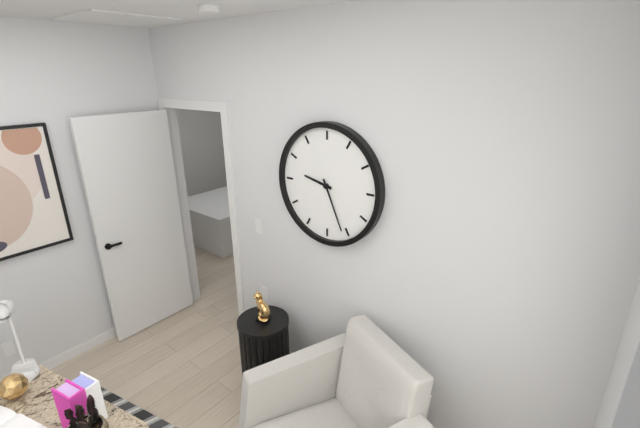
9:26
